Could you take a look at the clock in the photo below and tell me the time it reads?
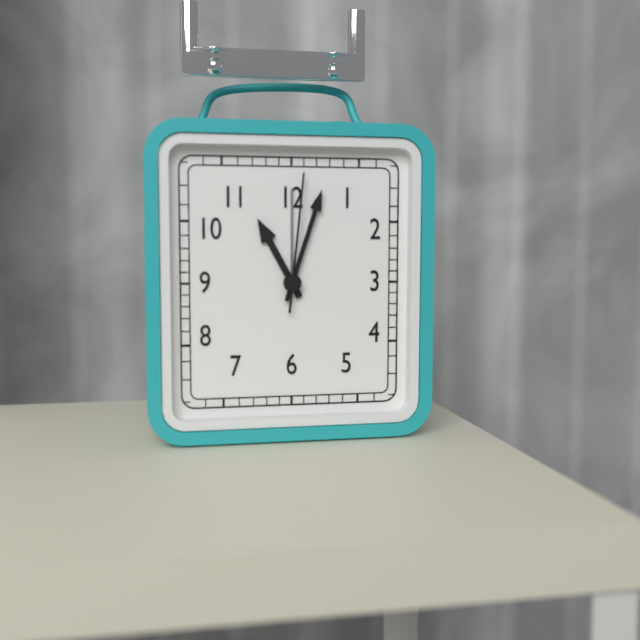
11:03:01
